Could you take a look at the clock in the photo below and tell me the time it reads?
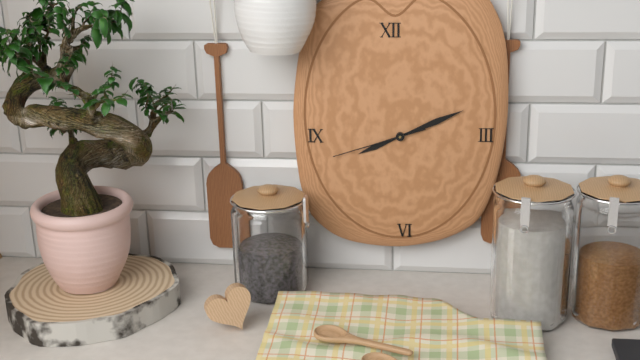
8:11:42
